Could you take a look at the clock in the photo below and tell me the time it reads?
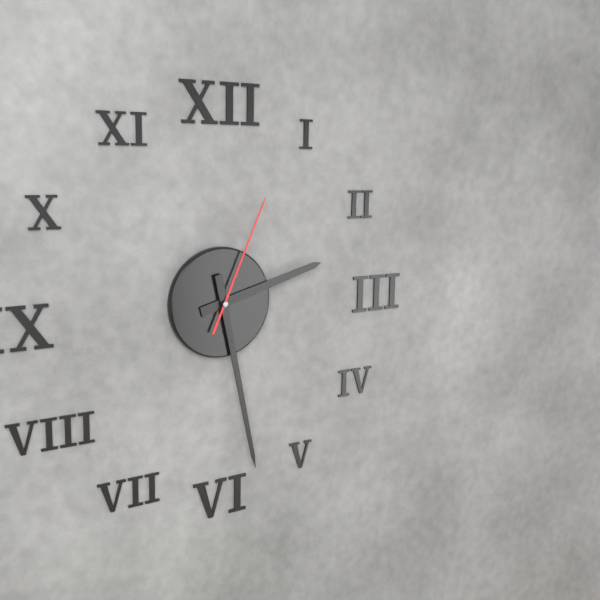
2:28:04
